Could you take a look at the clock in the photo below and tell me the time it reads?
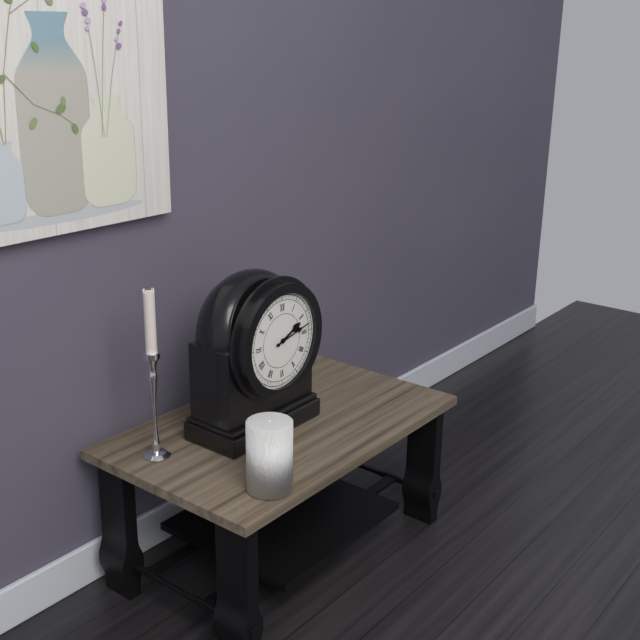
2:13
